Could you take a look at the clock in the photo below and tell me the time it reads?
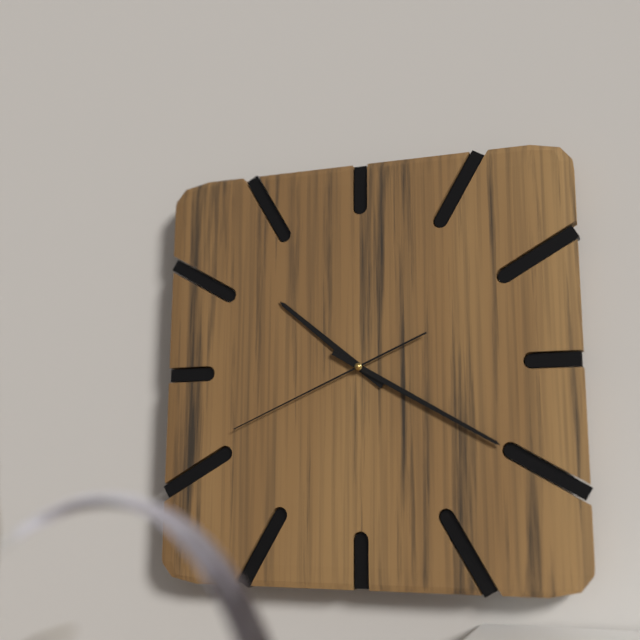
10:20:41
